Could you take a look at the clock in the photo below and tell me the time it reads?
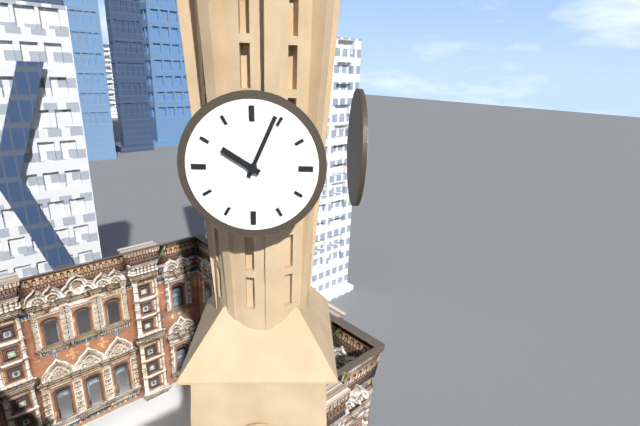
10:04
